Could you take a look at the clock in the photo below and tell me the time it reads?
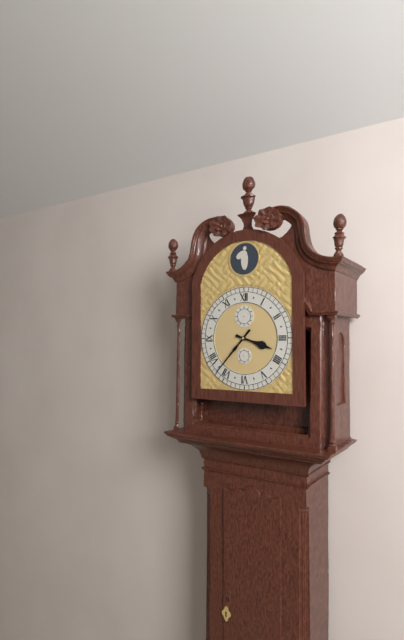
3:37
